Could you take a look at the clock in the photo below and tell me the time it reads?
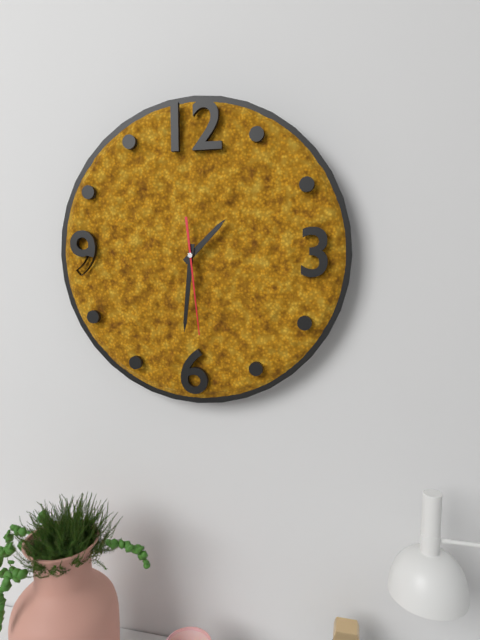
1:31:29
